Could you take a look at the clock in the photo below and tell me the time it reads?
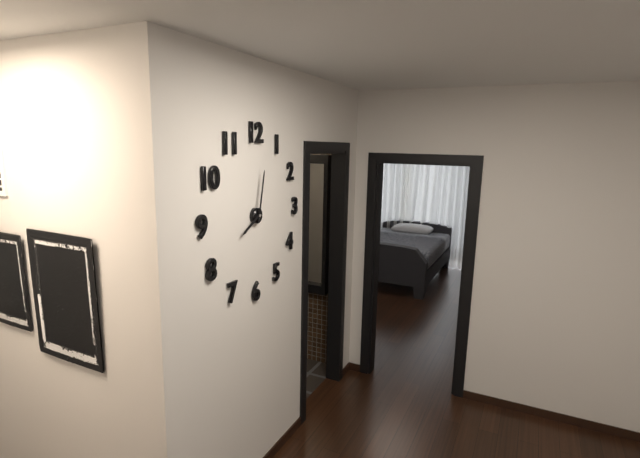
8:02
